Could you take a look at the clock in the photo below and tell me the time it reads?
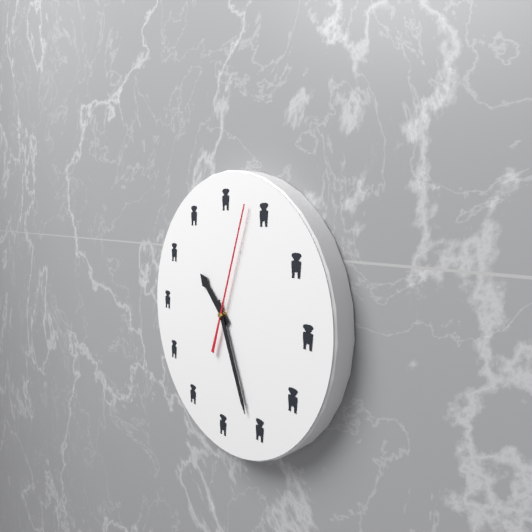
10:26:03
